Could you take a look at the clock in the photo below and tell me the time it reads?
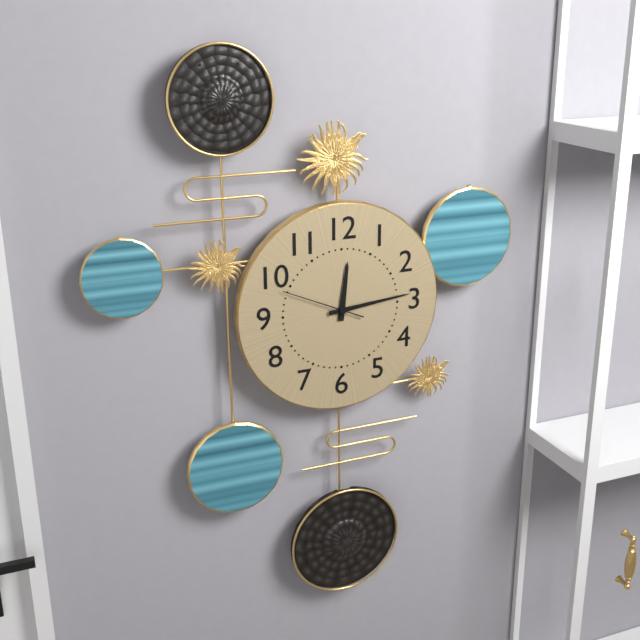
12:14:49
